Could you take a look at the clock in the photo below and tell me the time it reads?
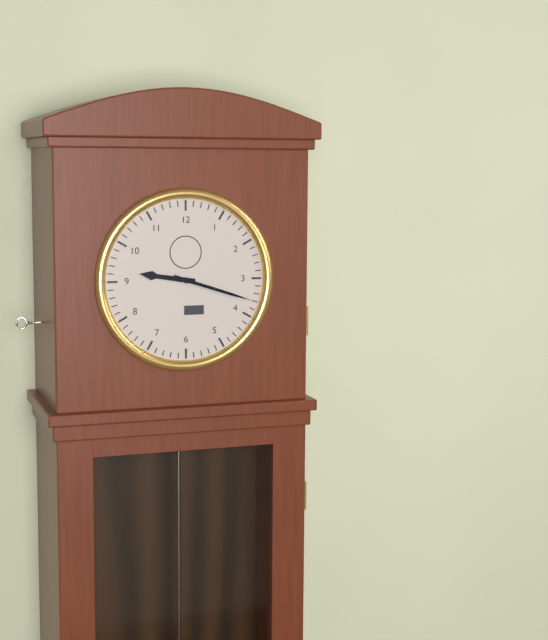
9:18
